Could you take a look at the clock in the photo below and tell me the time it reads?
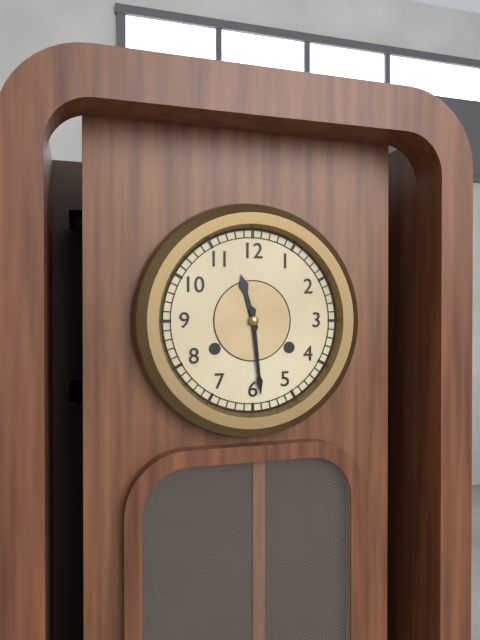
11:29
